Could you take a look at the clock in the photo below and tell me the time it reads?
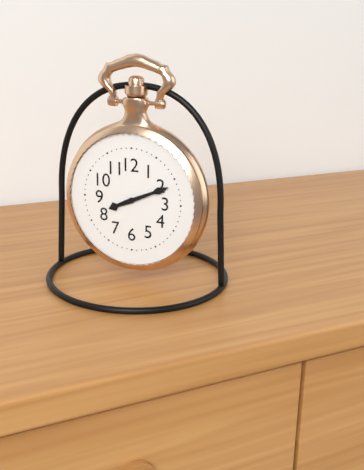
8:11
